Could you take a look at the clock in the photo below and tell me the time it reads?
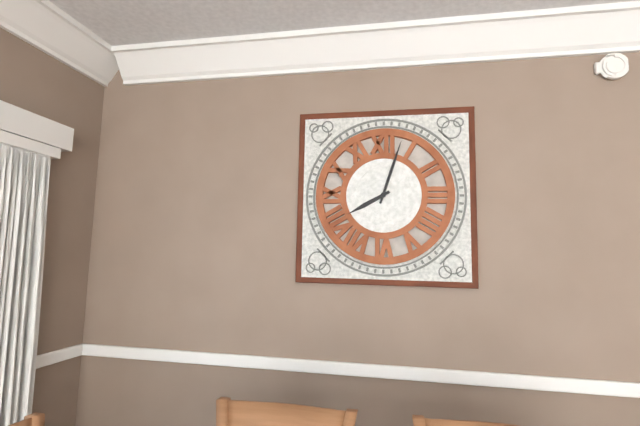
8:03
